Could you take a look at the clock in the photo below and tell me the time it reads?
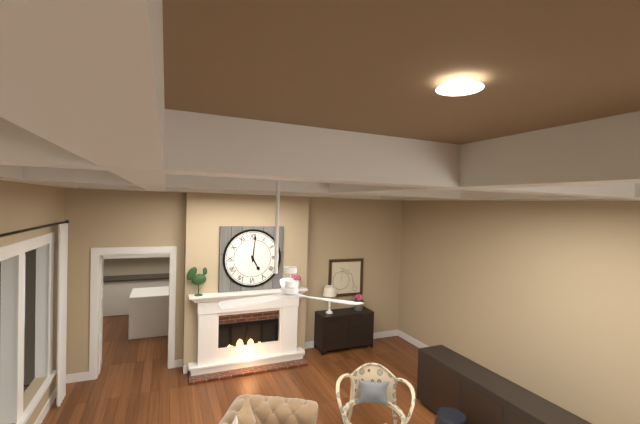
5:01
